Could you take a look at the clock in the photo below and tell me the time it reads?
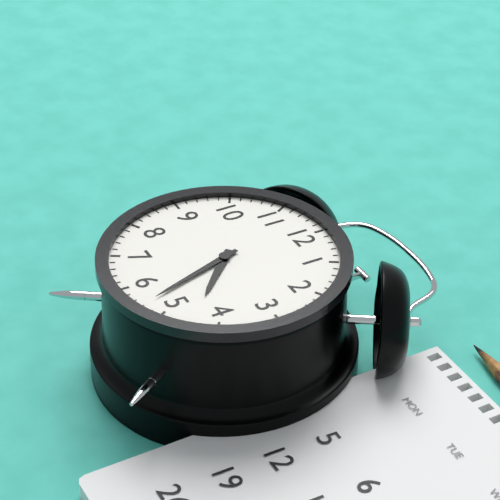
4:27
